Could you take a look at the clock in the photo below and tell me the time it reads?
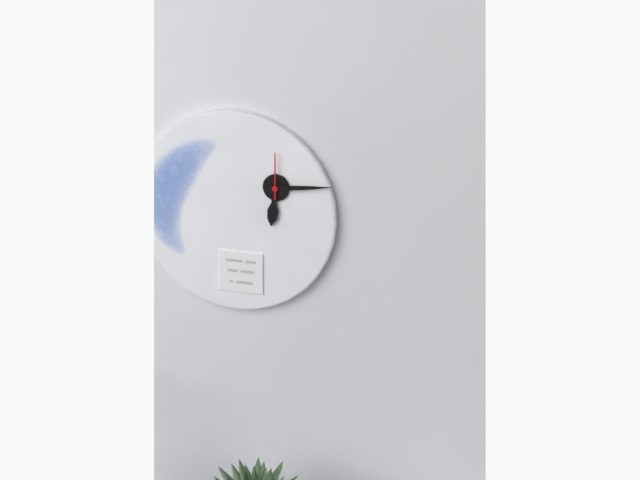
6:14
